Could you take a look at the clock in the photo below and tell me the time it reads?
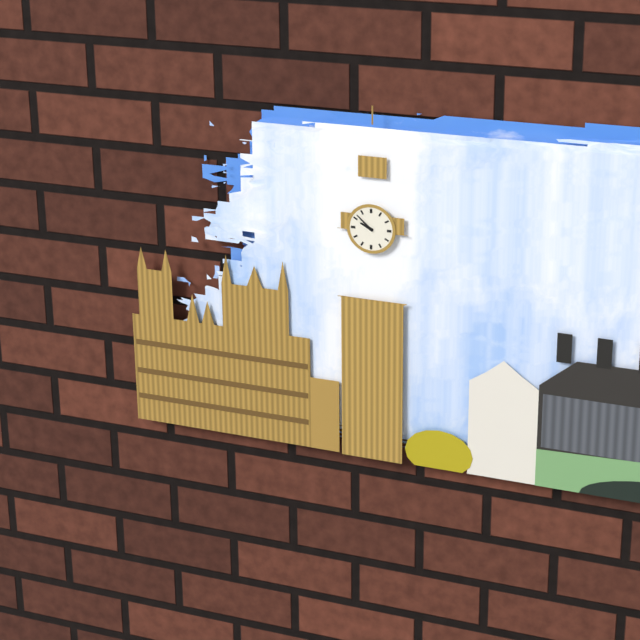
9:52
